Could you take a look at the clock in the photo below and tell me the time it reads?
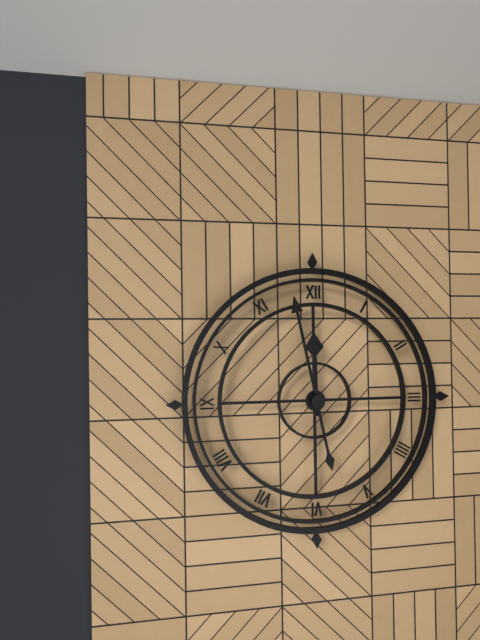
11:58
